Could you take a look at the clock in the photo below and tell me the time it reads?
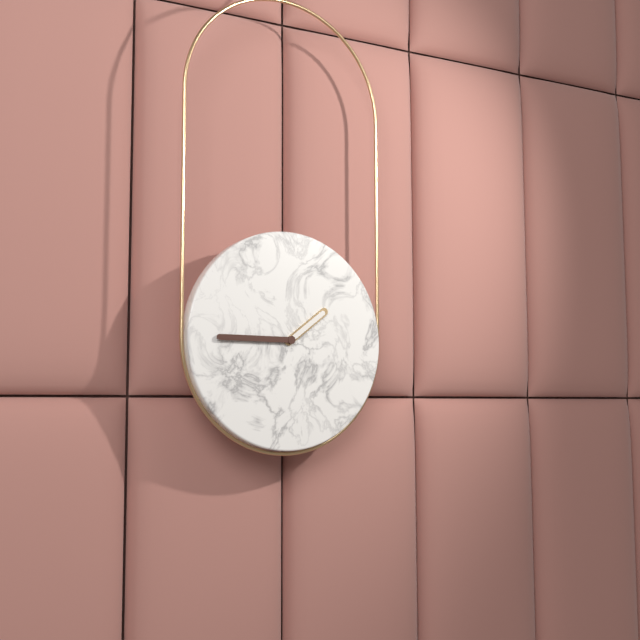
1:45
